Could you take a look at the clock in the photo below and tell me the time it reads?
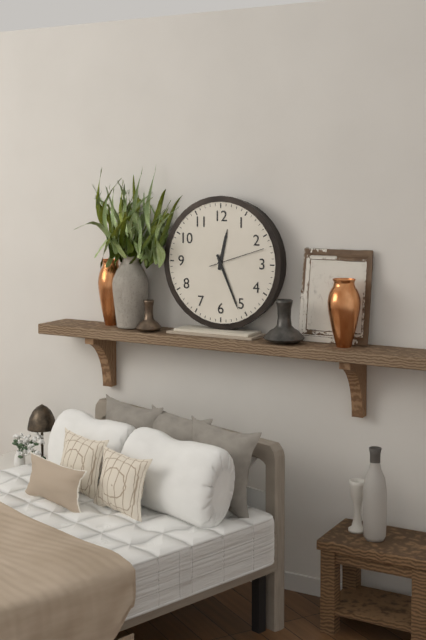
12:26:12
